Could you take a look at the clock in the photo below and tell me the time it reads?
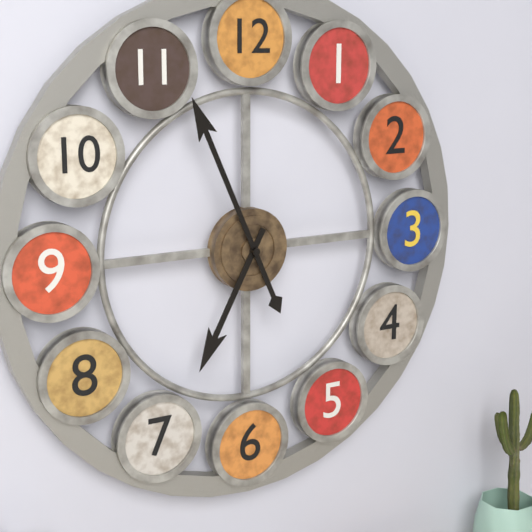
6:56
